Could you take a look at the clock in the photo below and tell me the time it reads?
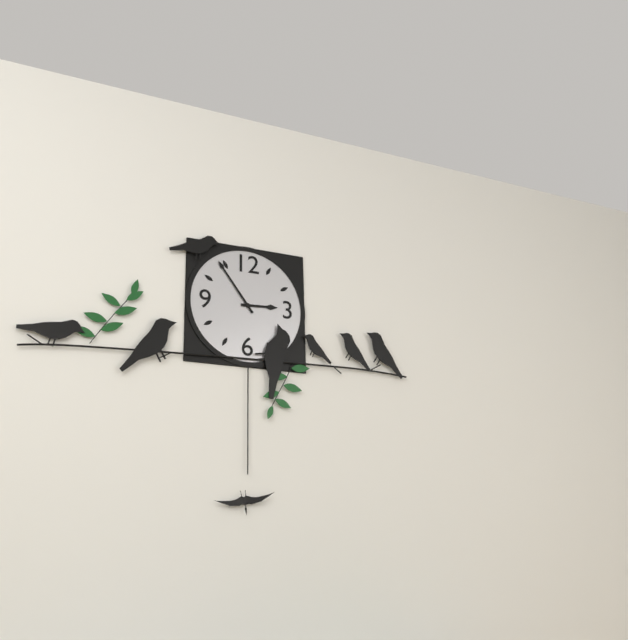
2:54
